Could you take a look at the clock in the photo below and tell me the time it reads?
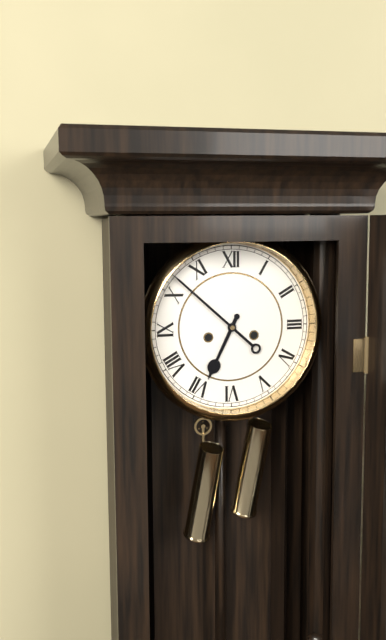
6:52
